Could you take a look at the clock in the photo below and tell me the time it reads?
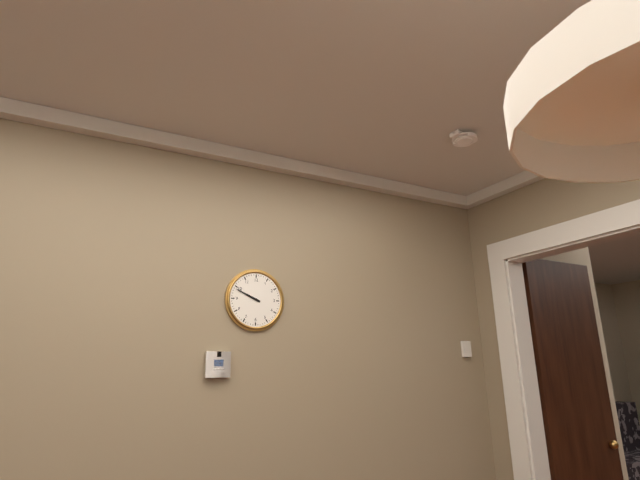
9:49
